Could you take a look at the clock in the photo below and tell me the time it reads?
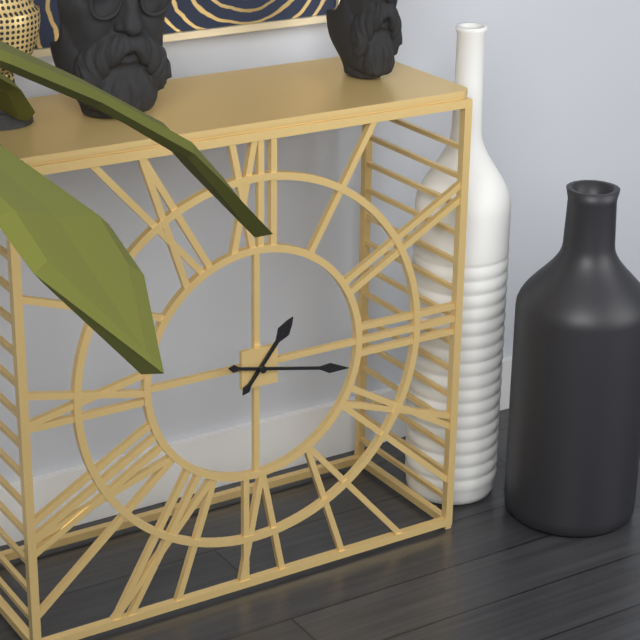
1:17
